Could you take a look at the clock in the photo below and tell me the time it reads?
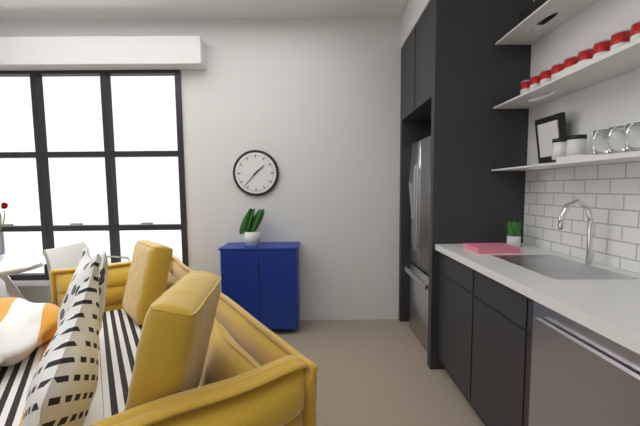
1:37
